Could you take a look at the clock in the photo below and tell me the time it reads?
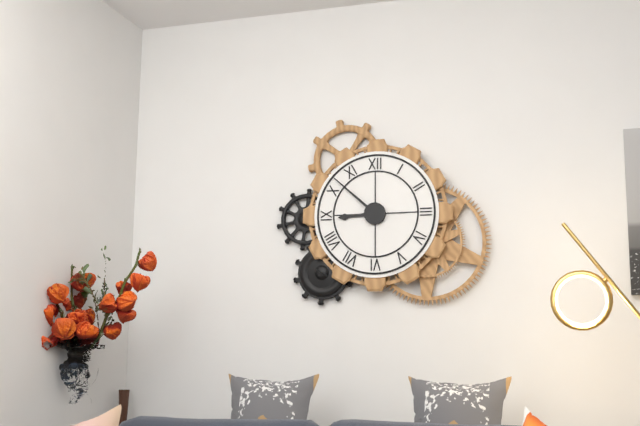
8:52
